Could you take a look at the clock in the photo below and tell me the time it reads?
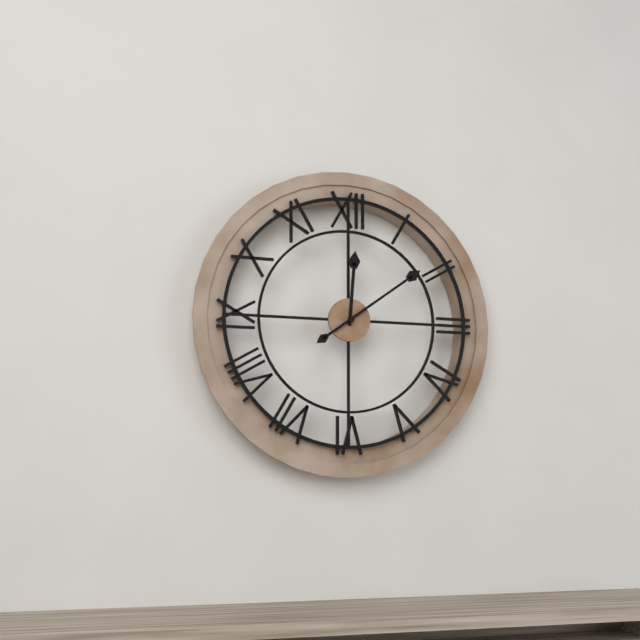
12:09
